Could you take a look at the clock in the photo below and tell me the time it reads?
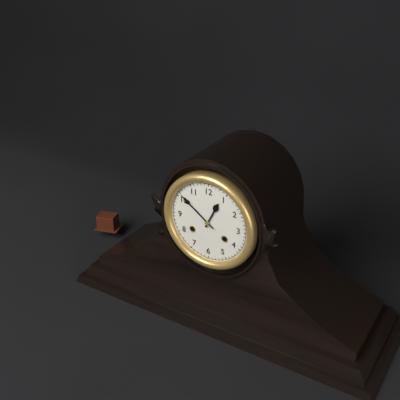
12:51
